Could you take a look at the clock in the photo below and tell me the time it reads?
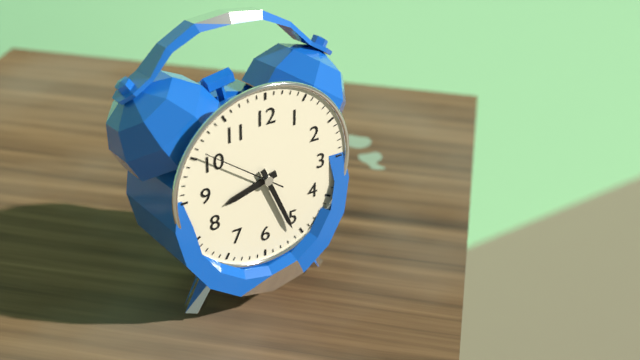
8:26:51
